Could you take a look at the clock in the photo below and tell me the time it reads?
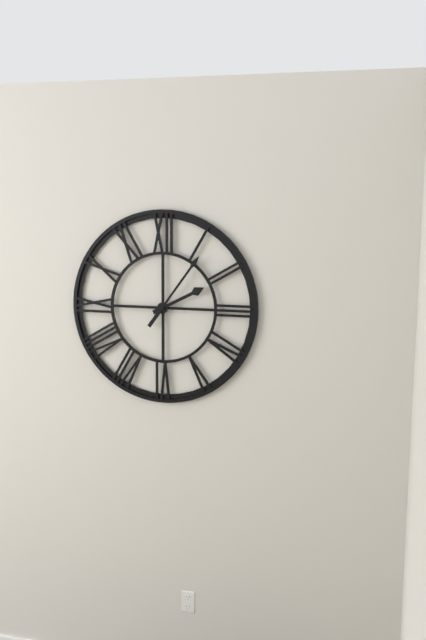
2:06
